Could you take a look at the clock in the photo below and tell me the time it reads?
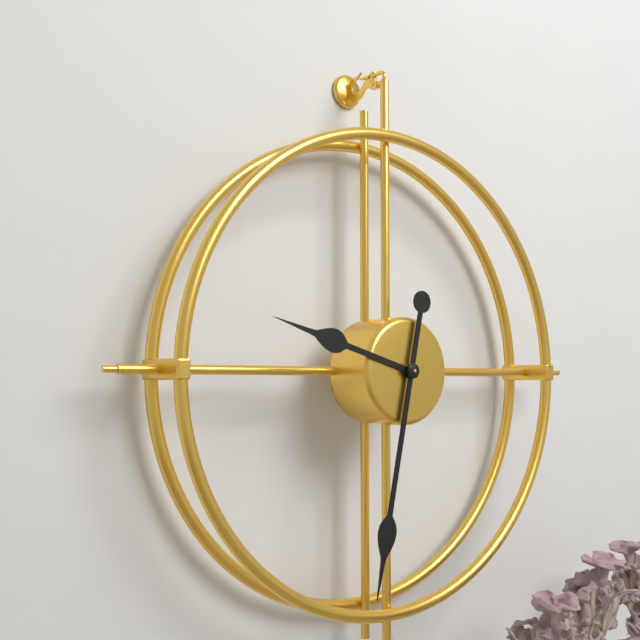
9:32
